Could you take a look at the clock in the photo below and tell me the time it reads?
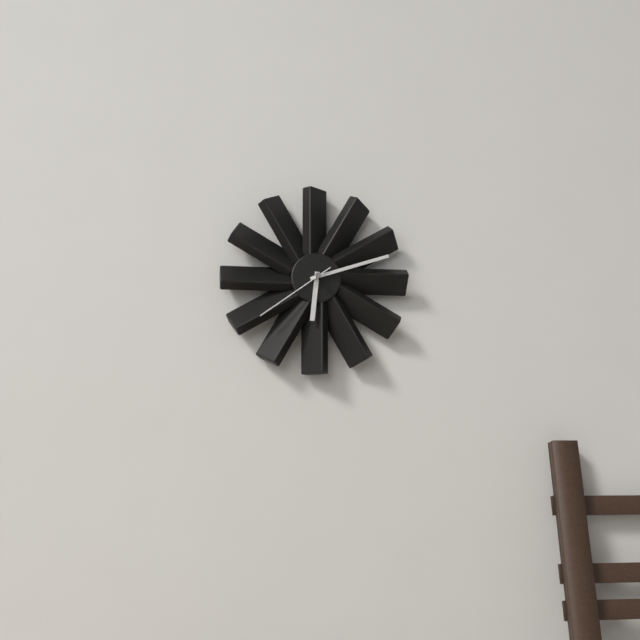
6:12:39
